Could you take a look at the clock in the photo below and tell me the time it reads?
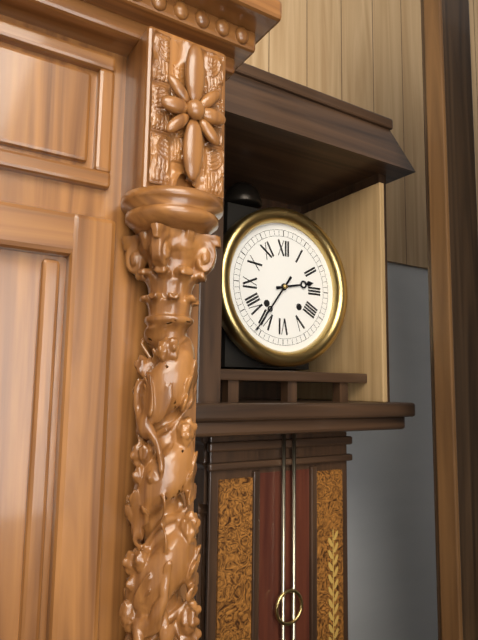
2:36
